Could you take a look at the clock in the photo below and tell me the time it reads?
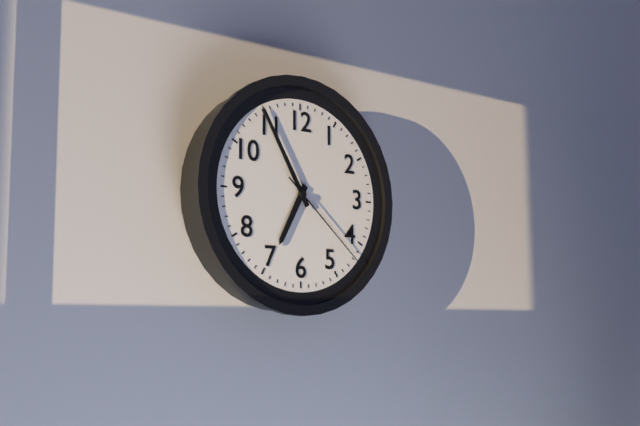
6:55:22
